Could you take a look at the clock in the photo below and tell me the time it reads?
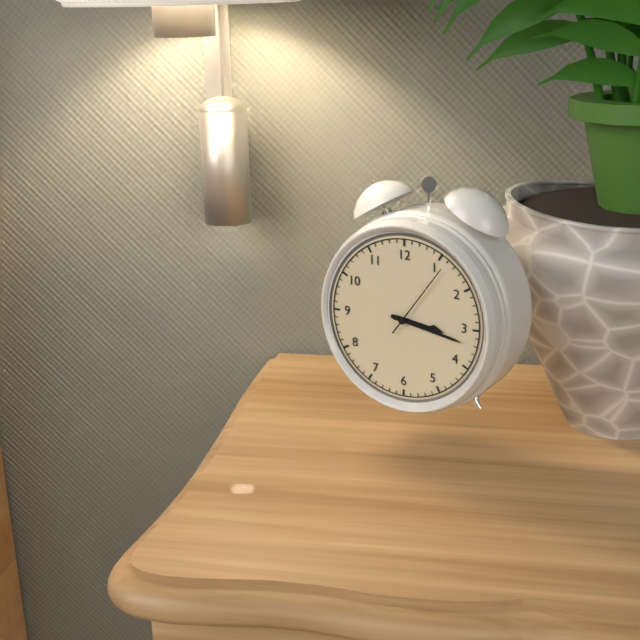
3:17:06
